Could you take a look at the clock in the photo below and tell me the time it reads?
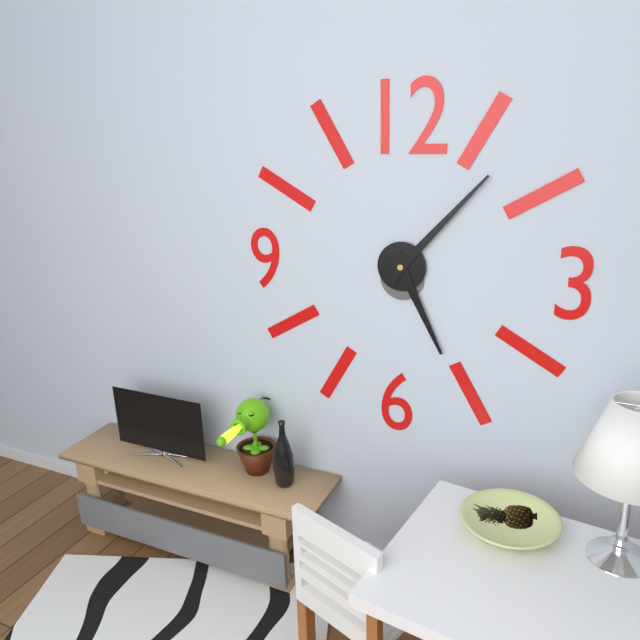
5:07
